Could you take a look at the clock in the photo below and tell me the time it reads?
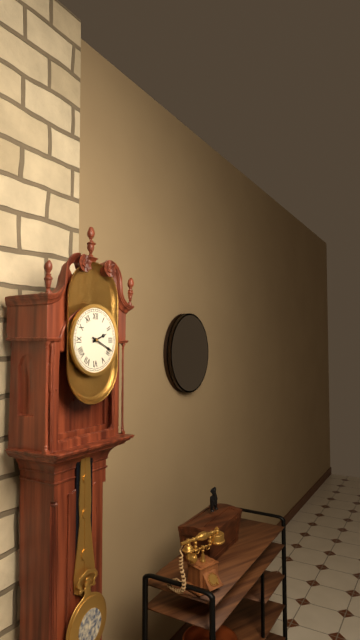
2:19
